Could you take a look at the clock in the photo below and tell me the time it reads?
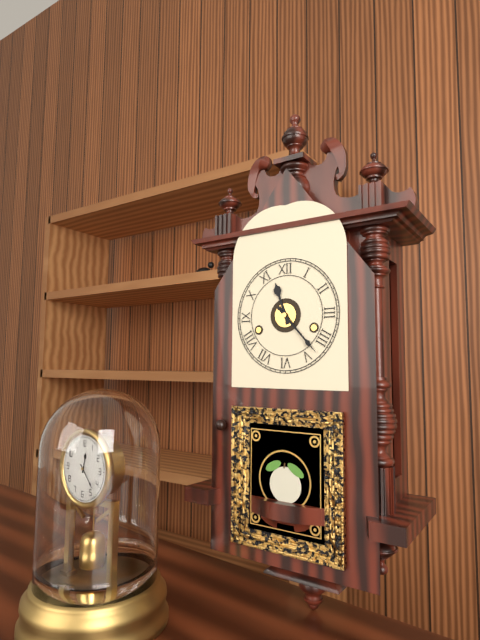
11:23
